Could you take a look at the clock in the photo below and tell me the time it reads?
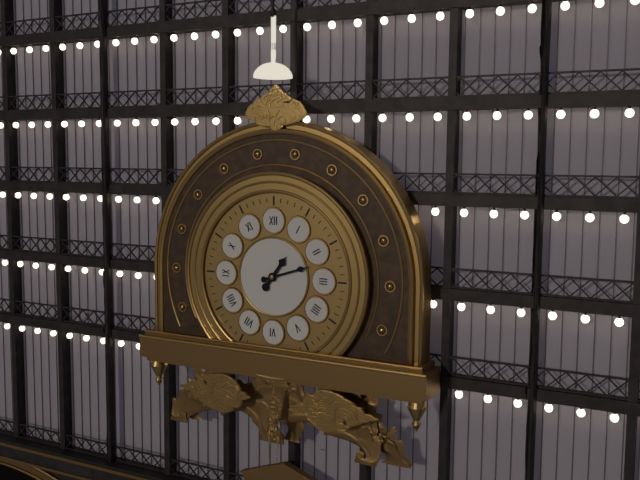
1:12
